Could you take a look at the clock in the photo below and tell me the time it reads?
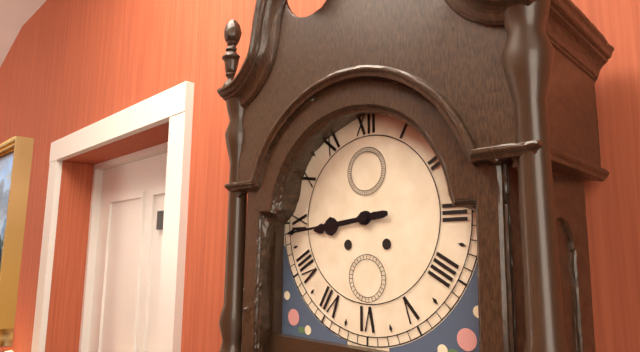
8:44
